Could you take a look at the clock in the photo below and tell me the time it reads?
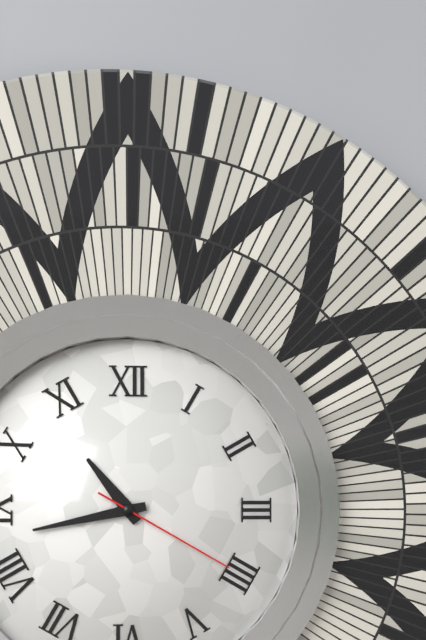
10:43:20
